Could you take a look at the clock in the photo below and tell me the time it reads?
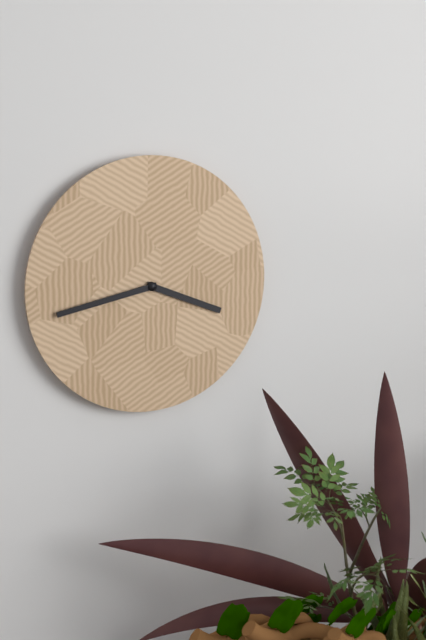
3:43
